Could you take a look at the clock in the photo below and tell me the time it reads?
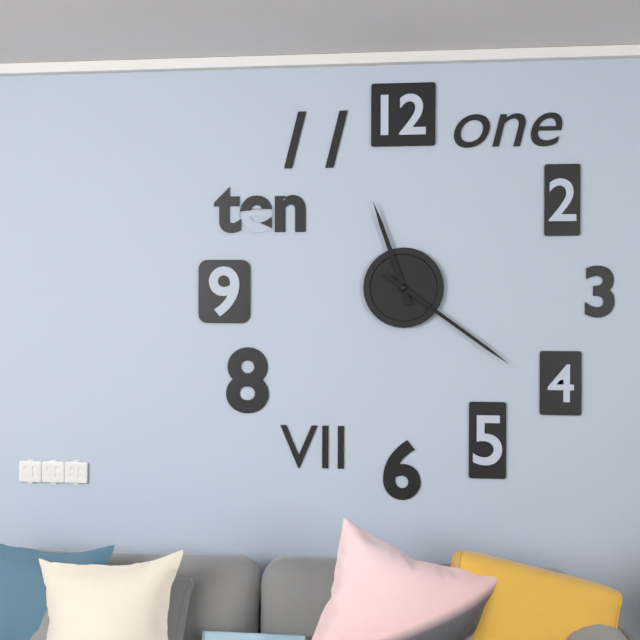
11:21
